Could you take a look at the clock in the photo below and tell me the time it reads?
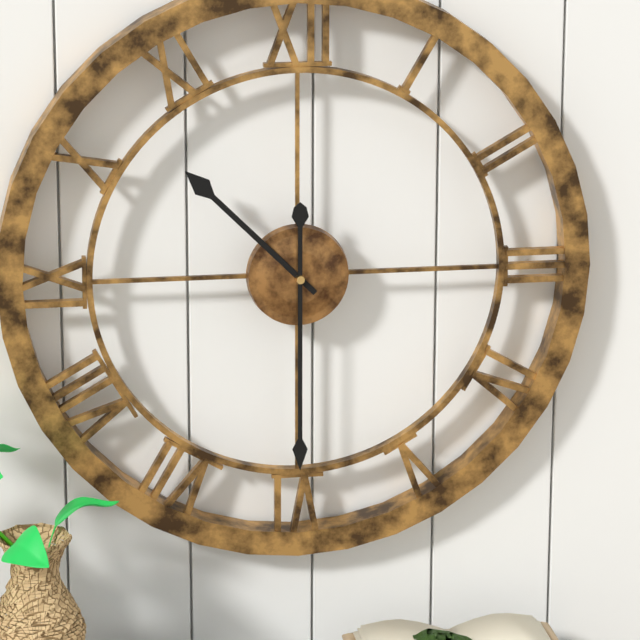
10:30
